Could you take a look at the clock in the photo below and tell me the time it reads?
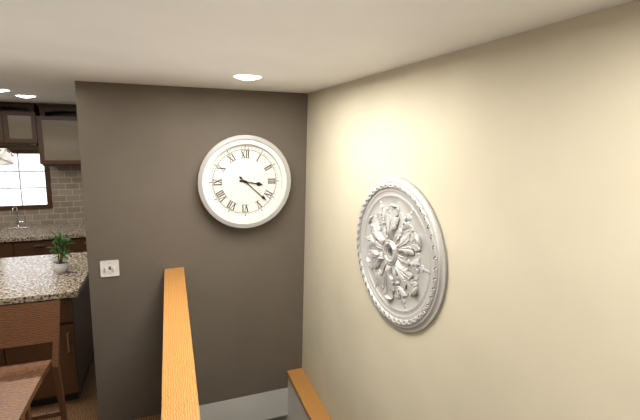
3:22
